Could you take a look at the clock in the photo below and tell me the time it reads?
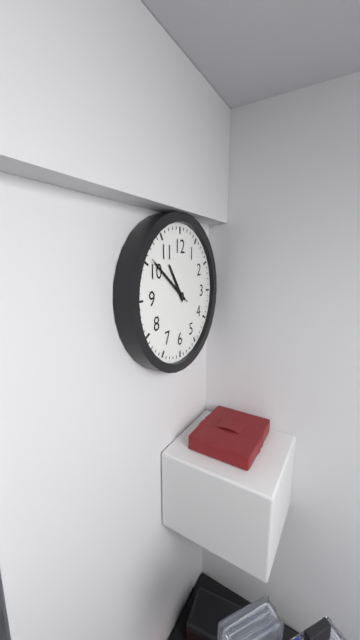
10:51:51
